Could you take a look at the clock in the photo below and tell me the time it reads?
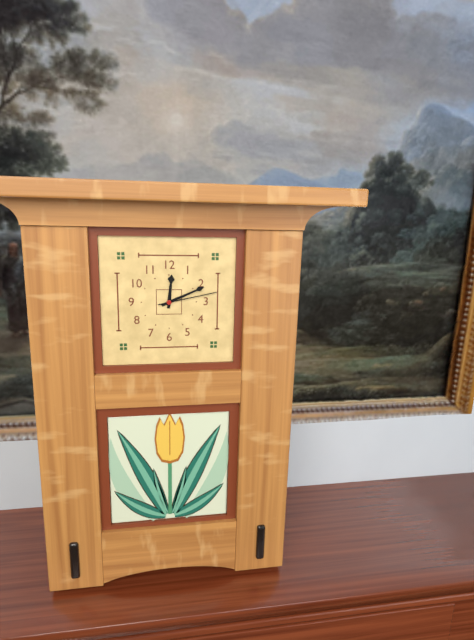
12:11:13
